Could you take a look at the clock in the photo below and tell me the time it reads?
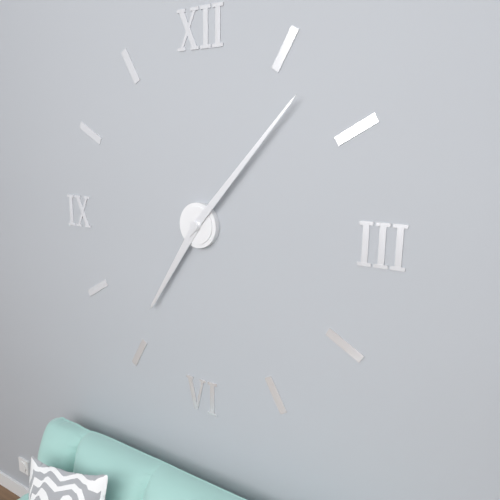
7:07
